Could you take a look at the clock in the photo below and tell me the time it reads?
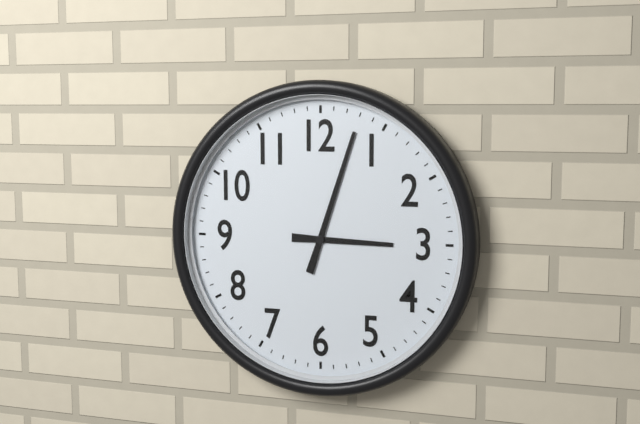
3:03
